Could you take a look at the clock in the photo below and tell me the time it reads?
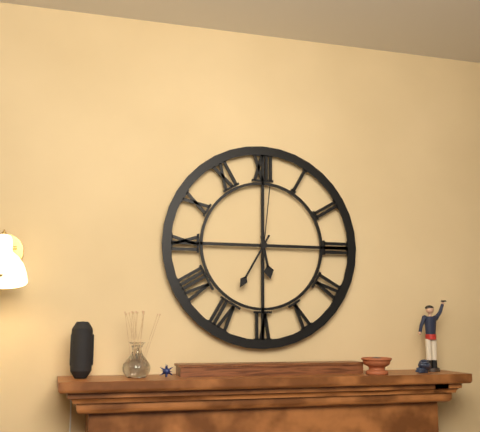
5:35:01
